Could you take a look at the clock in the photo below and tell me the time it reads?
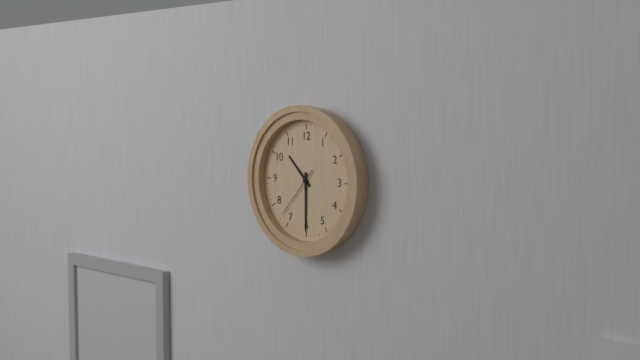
10:30:37
